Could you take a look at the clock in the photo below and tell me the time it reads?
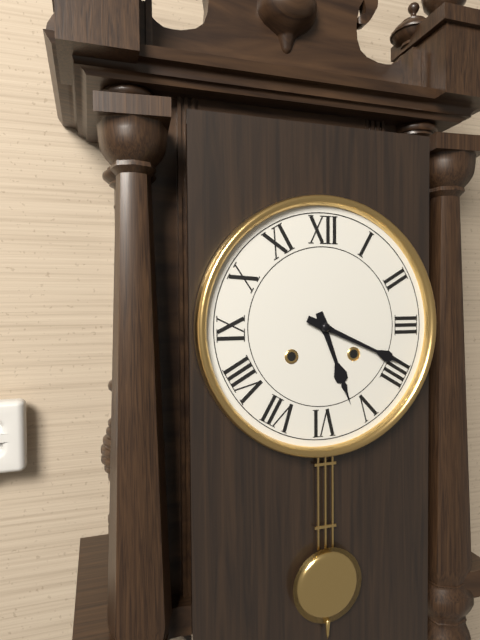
5:19
